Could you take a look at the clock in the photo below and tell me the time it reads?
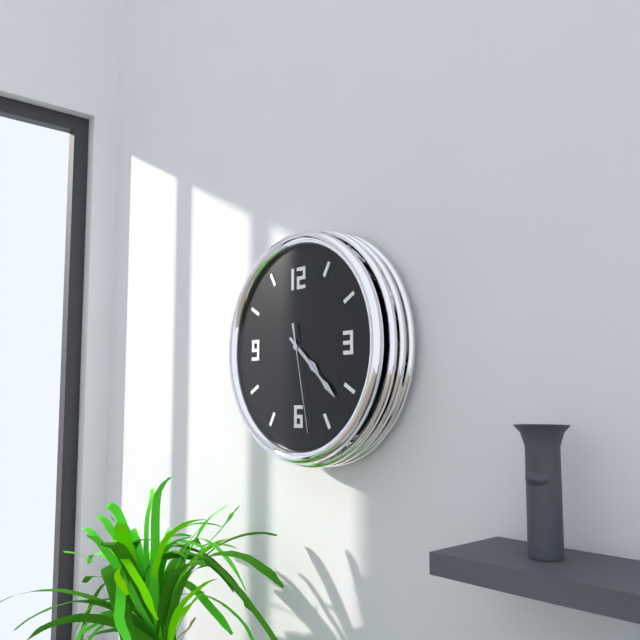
4:22:28
